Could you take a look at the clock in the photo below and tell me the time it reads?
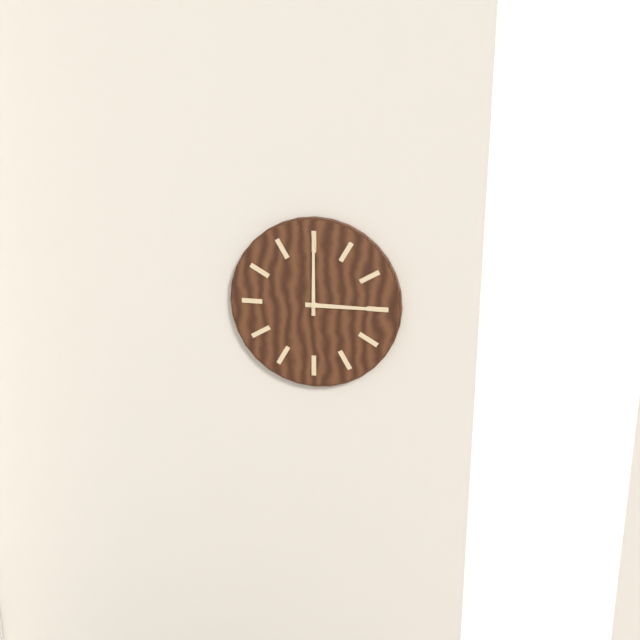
3:00
